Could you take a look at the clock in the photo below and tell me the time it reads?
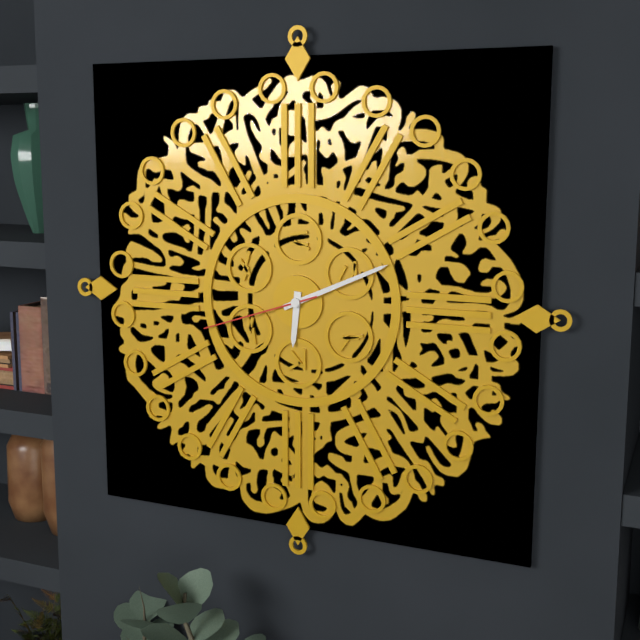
6:11:42
